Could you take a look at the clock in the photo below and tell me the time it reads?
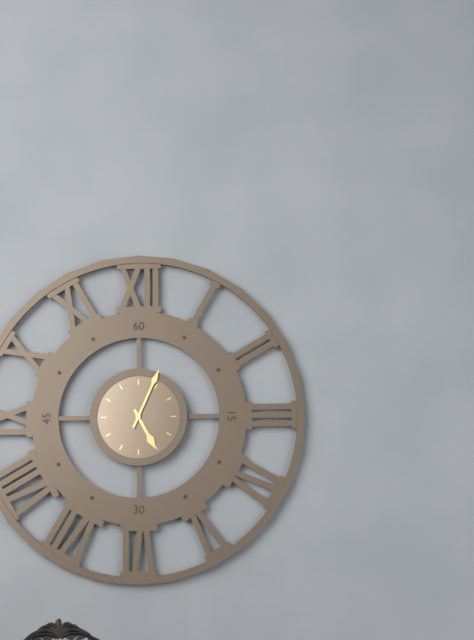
5:04
